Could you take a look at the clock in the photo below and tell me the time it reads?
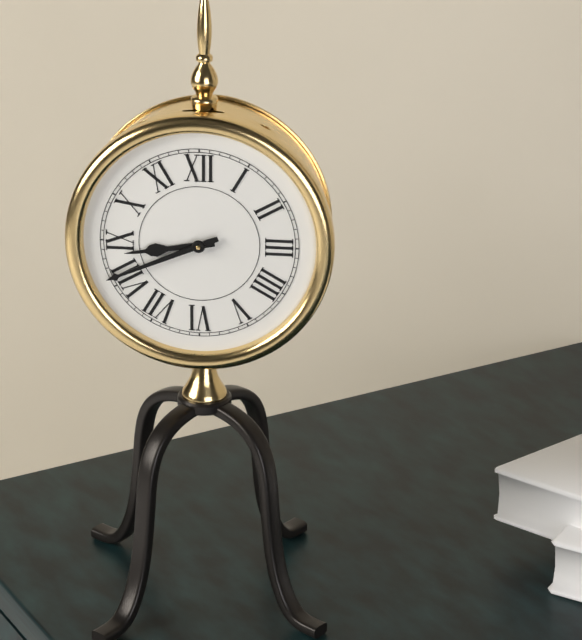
8:41
